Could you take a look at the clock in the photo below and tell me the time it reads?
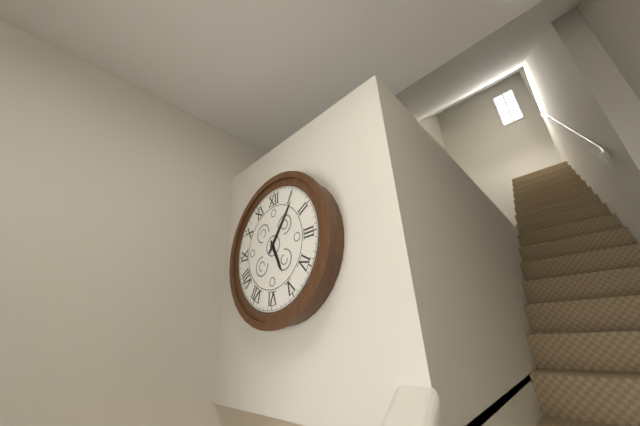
5:06
